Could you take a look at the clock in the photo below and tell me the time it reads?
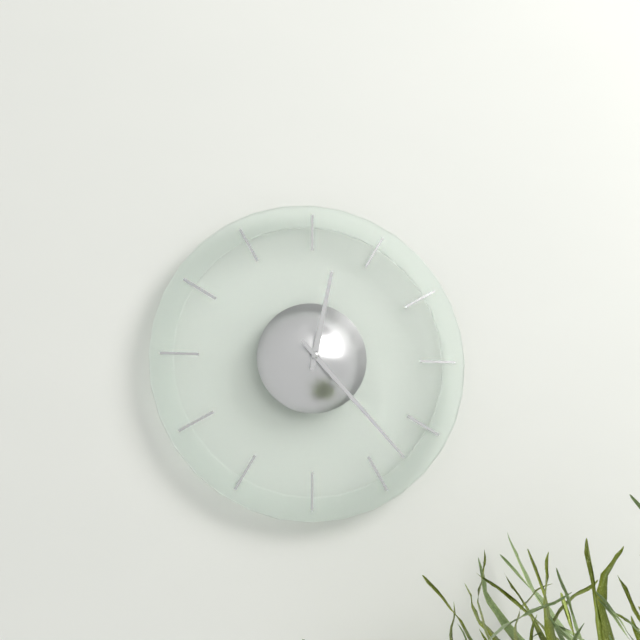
12:23
